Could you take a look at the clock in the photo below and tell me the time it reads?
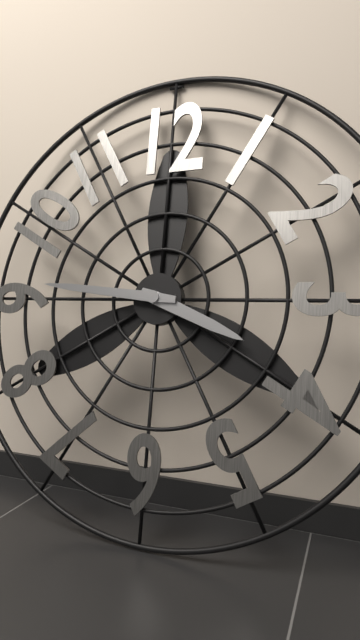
3:46
